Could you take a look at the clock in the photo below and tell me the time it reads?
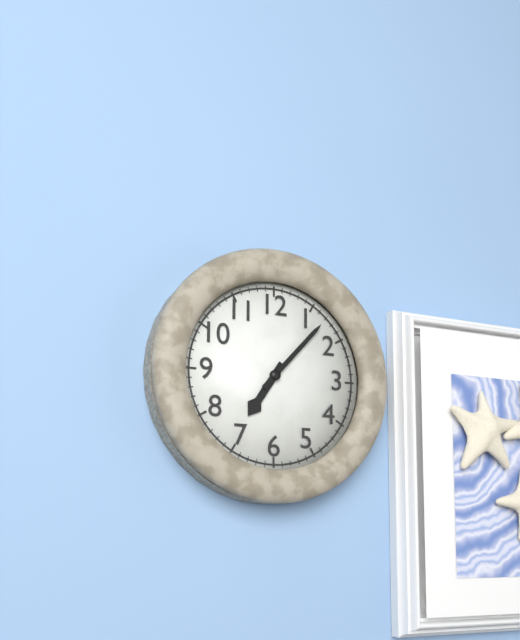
7:07
